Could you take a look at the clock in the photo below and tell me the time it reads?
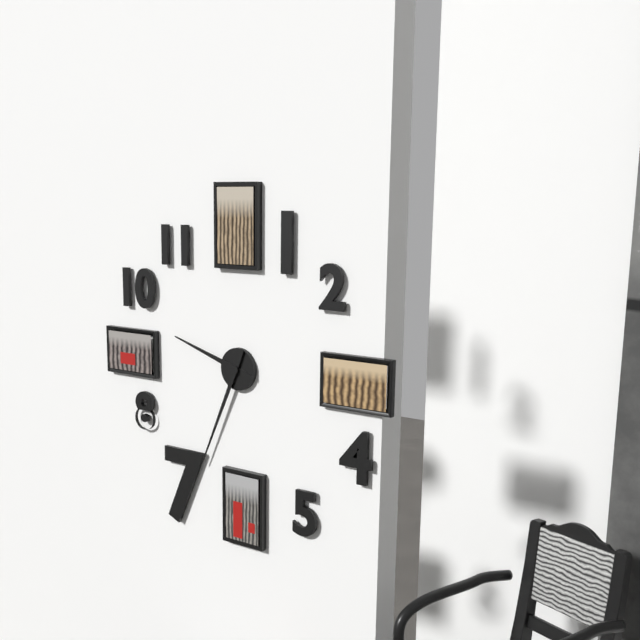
9:34
